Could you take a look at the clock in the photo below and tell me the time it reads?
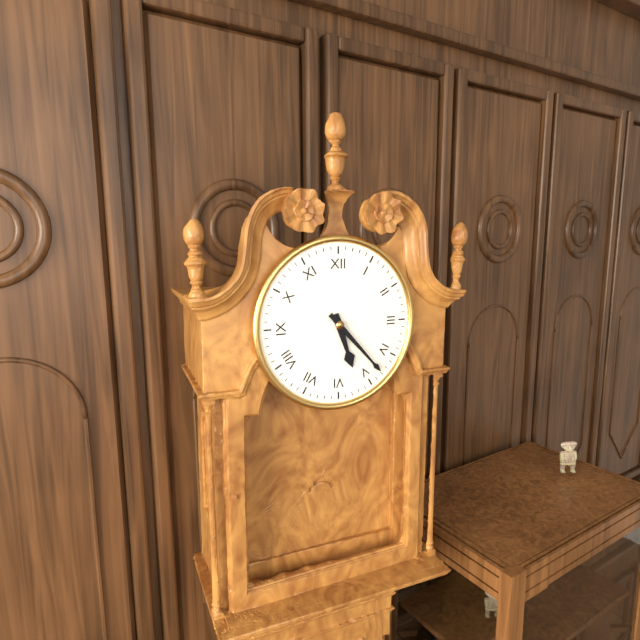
5:23
